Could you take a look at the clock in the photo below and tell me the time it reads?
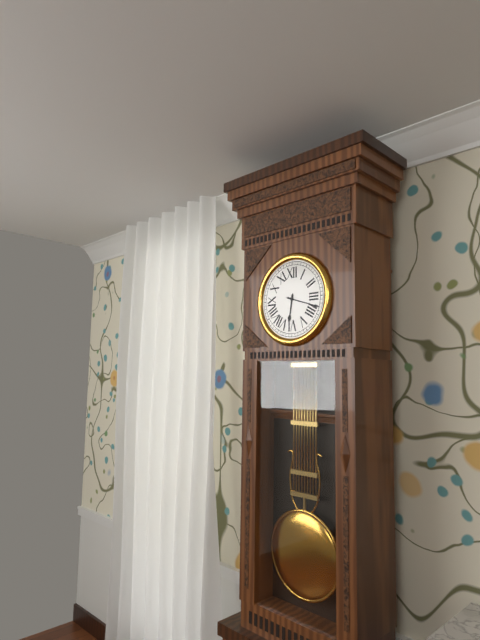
6:18
